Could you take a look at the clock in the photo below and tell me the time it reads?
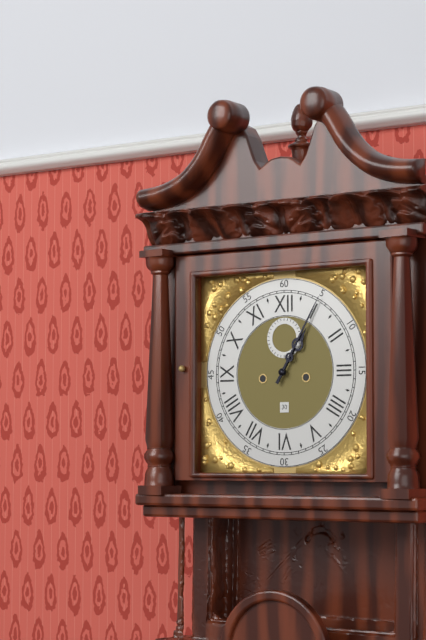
1:05
